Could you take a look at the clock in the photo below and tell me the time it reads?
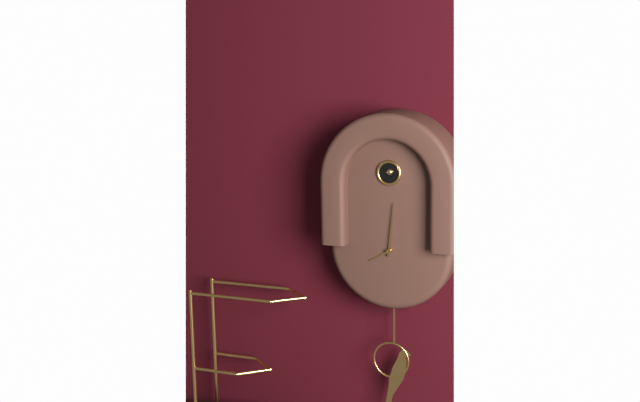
8:01
